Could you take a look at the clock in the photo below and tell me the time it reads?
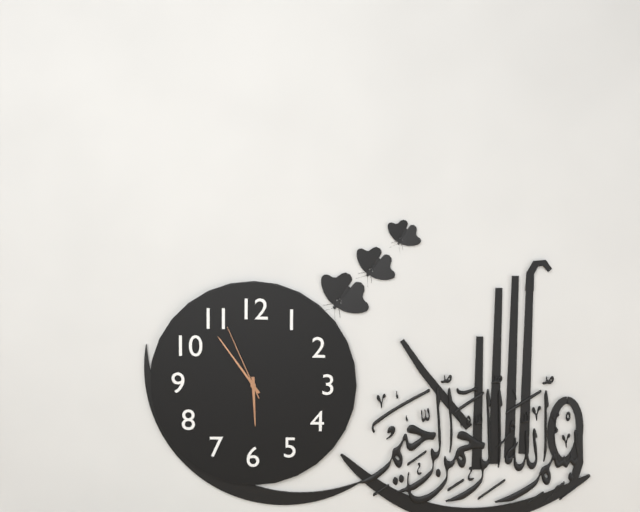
5:54:56
